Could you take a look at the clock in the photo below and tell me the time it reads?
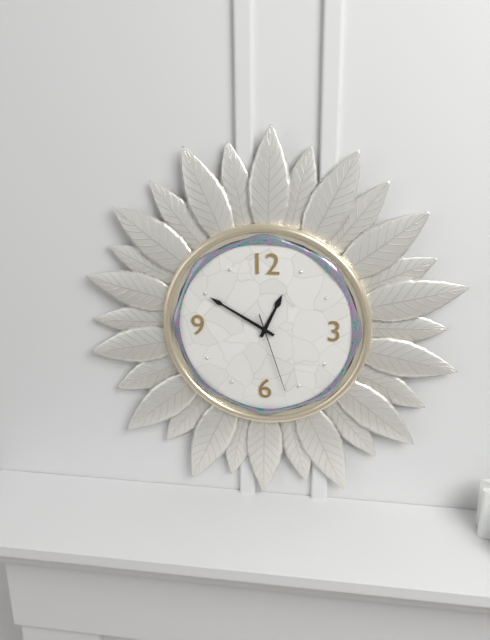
12:50:27
